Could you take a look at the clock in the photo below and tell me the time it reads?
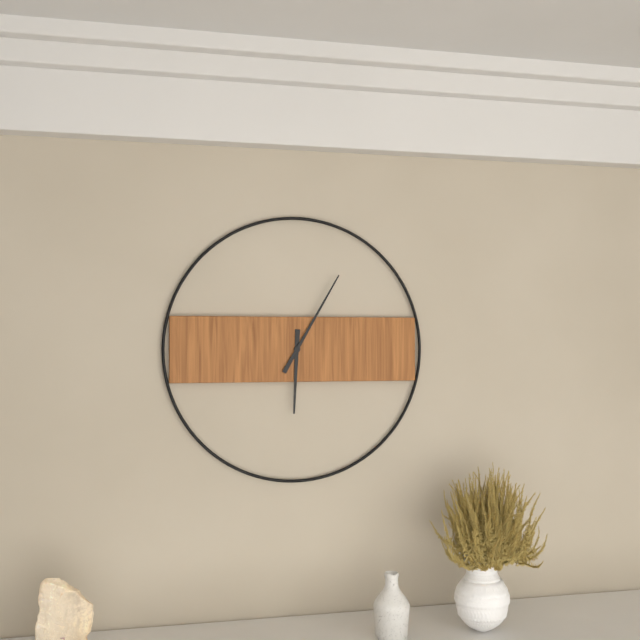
6:05
